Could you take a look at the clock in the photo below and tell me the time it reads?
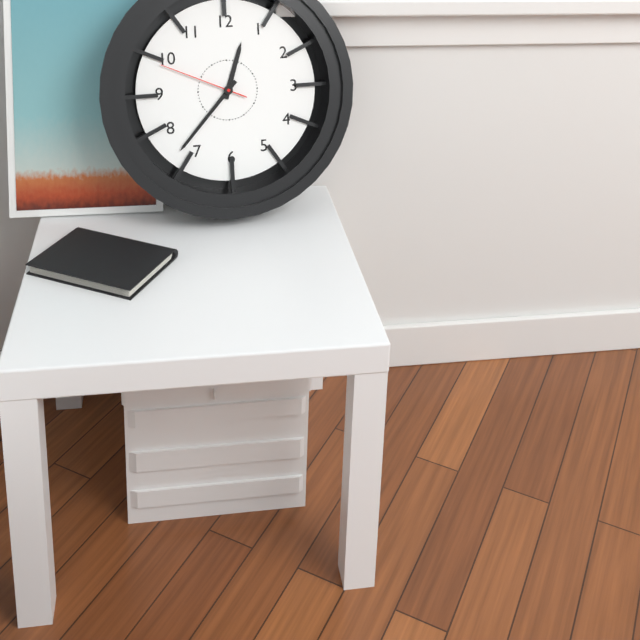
12:37:49
